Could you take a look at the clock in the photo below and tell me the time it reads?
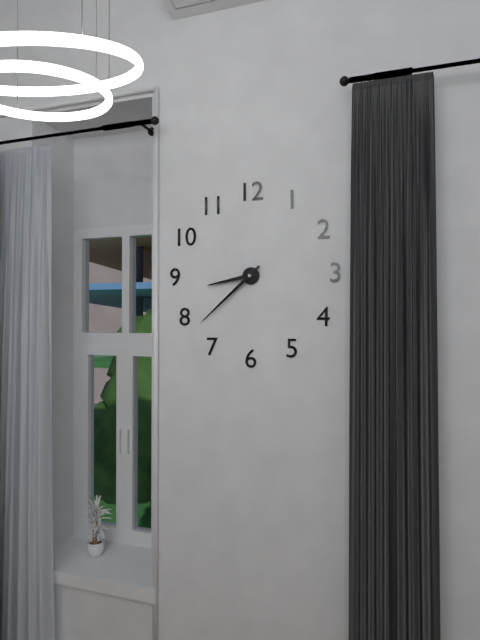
8:38
